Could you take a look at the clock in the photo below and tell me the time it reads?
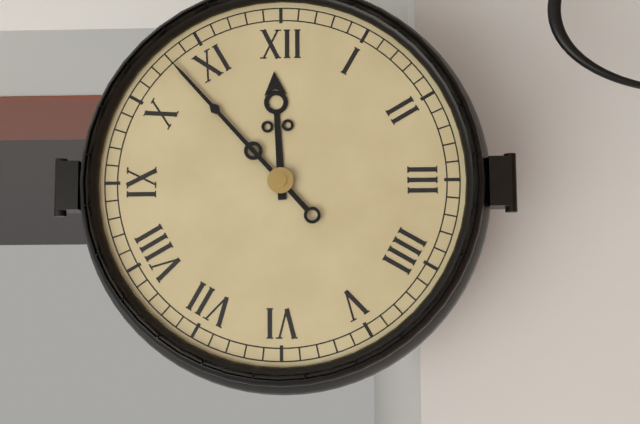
11:53
